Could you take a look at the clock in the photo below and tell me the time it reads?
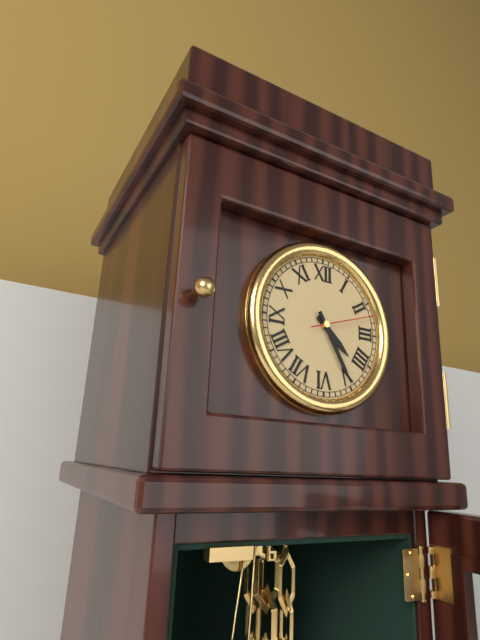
4:25:12
